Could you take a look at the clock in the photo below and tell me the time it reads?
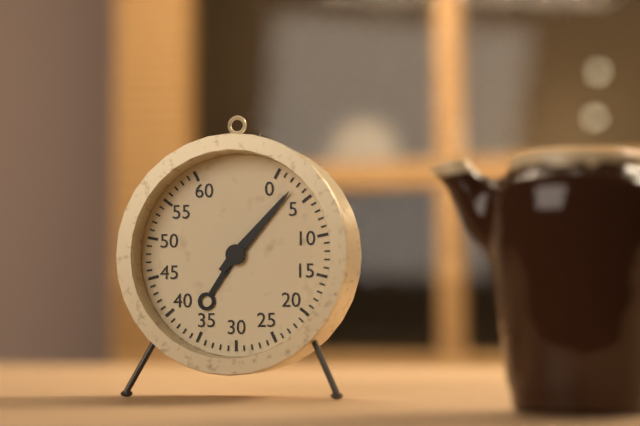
7:07
